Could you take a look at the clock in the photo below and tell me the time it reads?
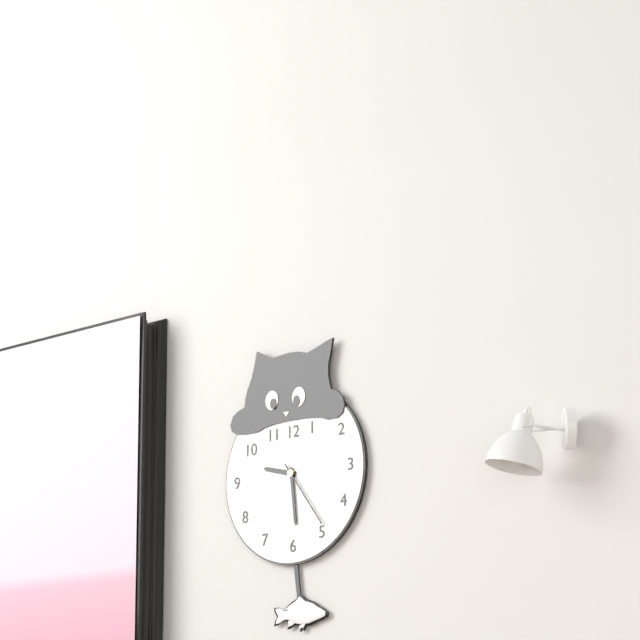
9:29:24
